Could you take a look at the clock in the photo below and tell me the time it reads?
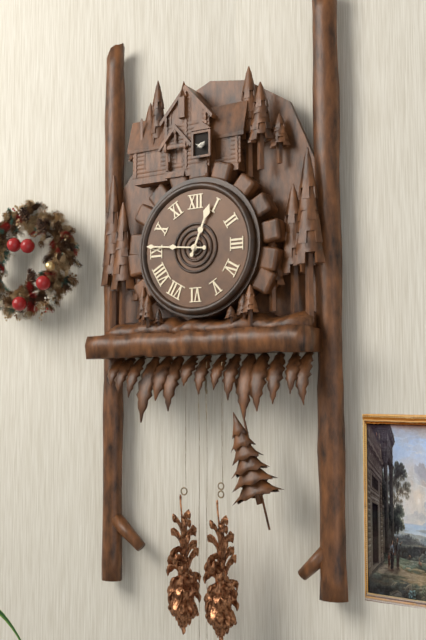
12:46
